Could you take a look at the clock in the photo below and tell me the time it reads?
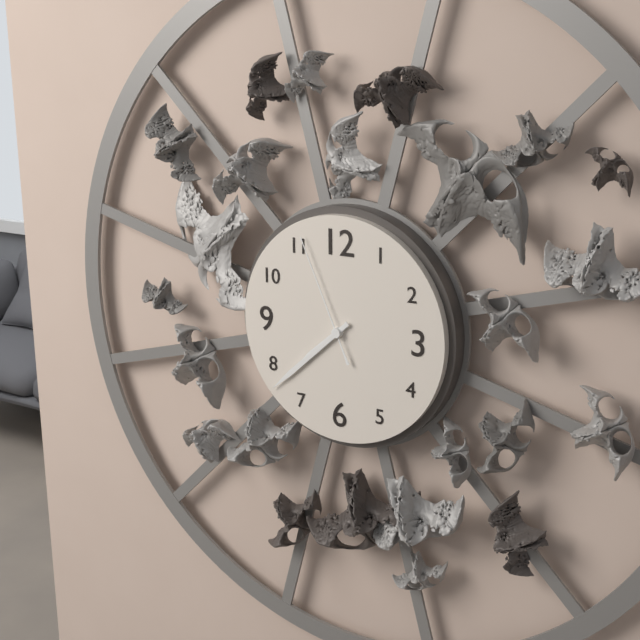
7:38:56
